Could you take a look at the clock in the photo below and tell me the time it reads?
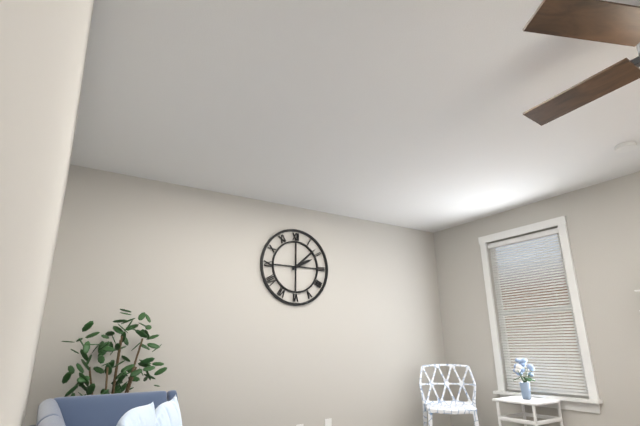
2:08
